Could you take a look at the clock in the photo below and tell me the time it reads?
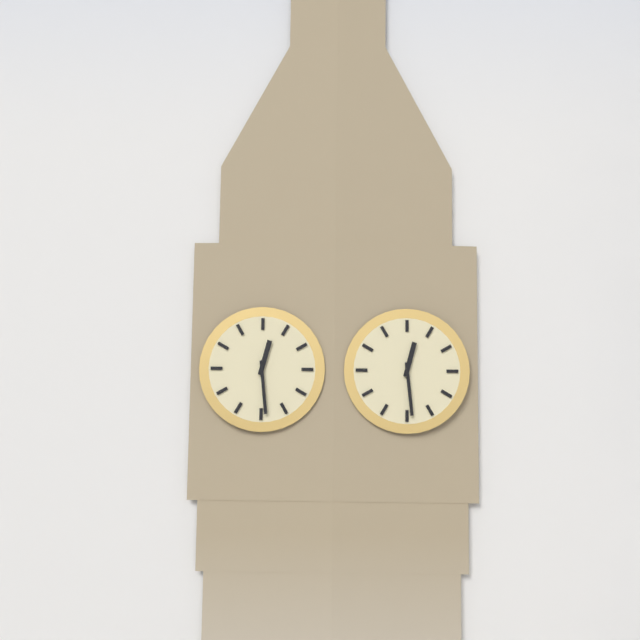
12:29
